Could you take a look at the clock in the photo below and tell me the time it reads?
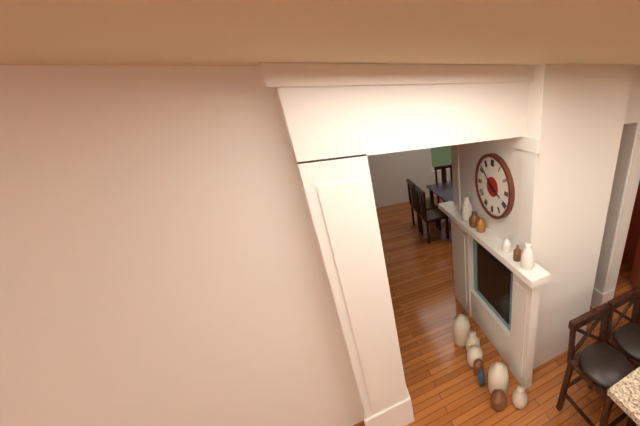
3:52
